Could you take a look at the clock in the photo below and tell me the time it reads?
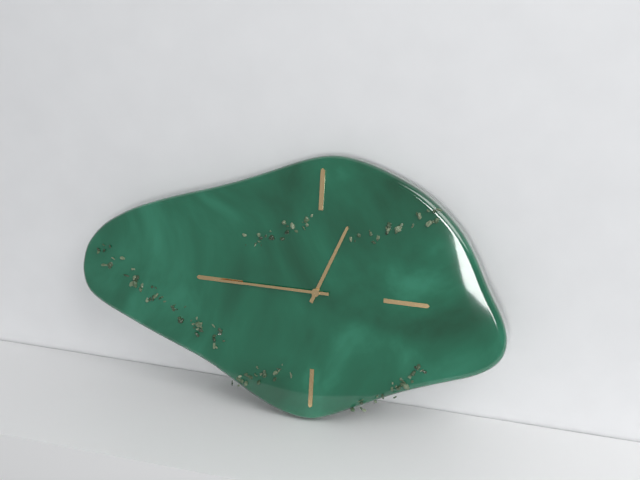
12:45
